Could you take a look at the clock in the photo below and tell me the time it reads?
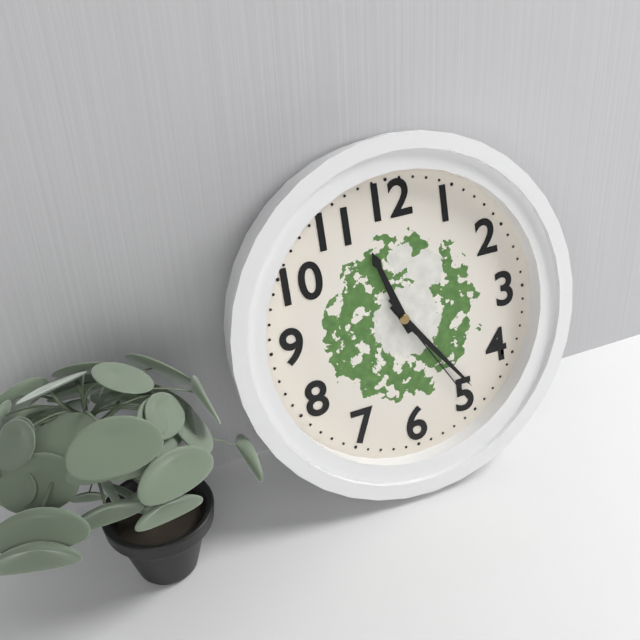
11:24:25
